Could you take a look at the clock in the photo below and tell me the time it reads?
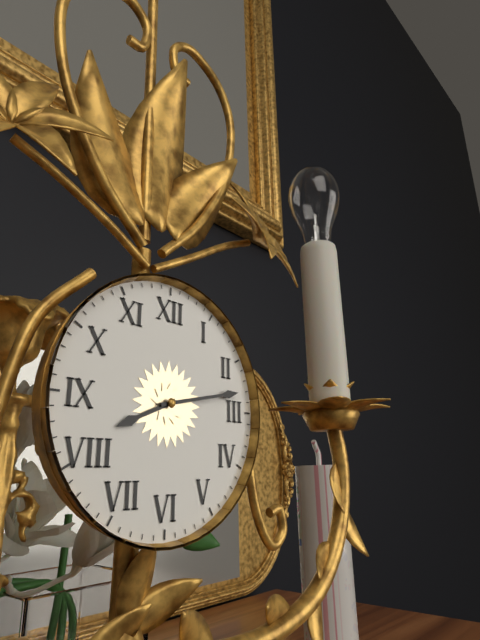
8:13
